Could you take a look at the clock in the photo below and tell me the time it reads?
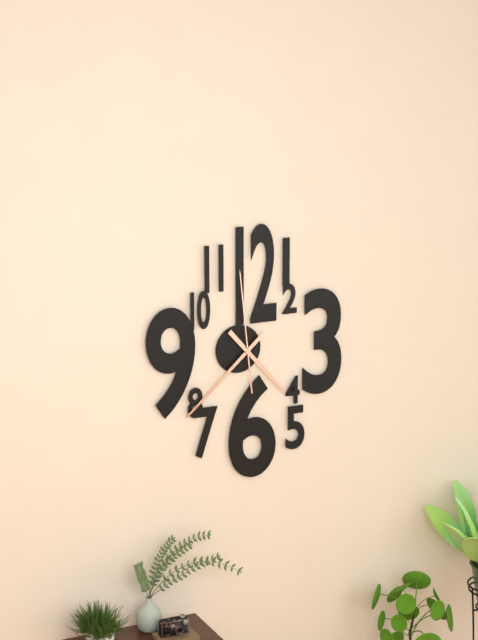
4:38:59
